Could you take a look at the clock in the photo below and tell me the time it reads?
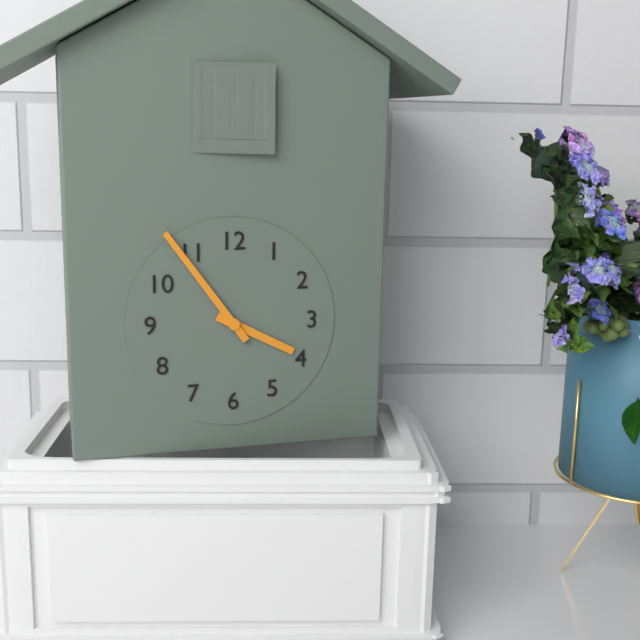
3:54
